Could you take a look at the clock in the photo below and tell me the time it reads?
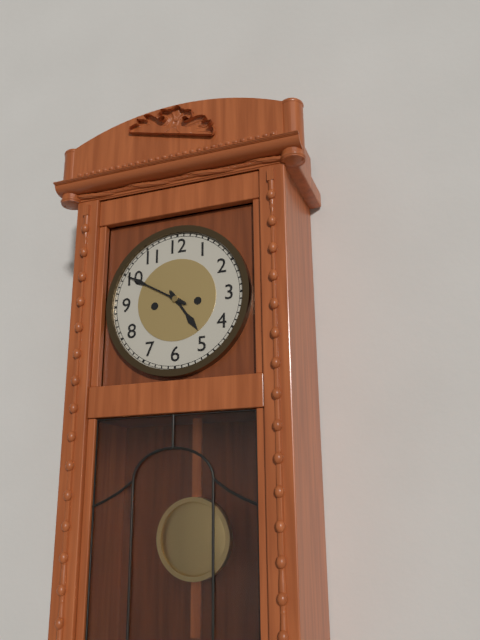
4:50
